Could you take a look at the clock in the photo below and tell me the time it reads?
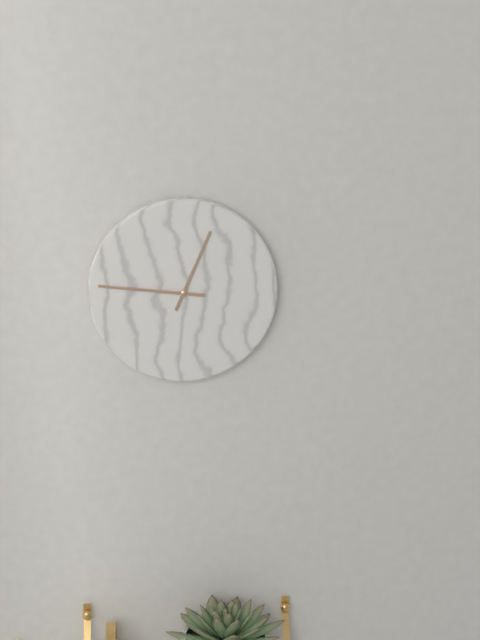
12:46
